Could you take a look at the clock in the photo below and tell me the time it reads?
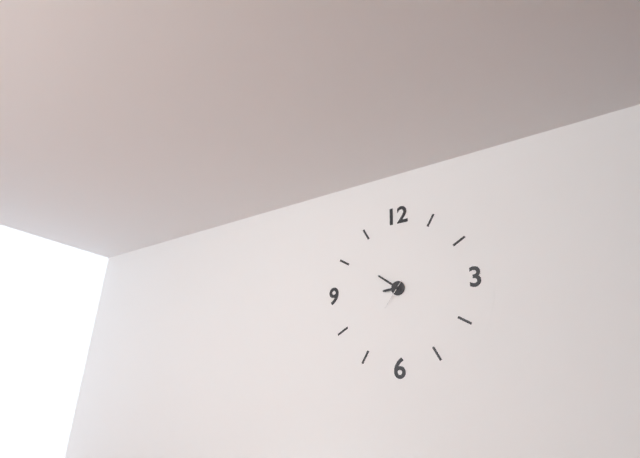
8:51
